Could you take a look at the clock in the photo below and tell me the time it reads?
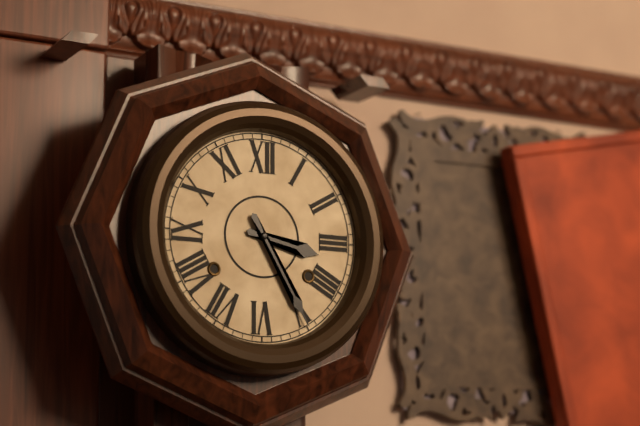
3:25
